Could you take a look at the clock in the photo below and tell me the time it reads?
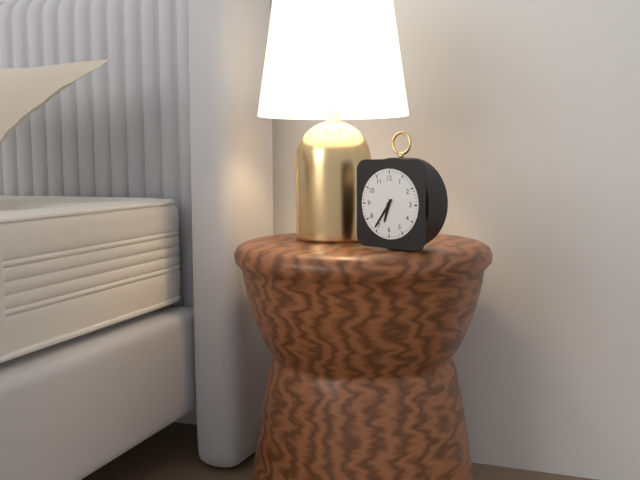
6:36
